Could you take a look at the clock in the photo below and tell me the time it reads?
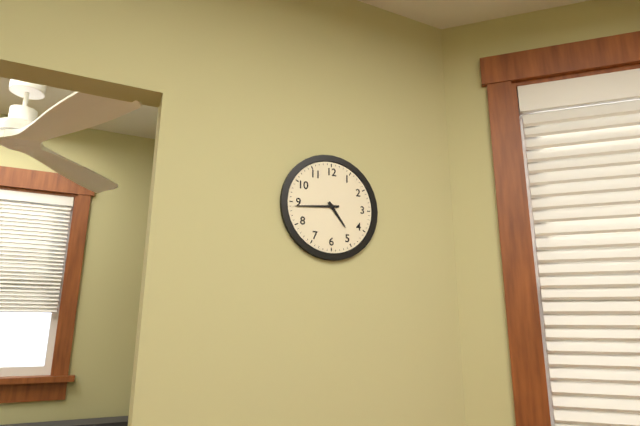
4:44
